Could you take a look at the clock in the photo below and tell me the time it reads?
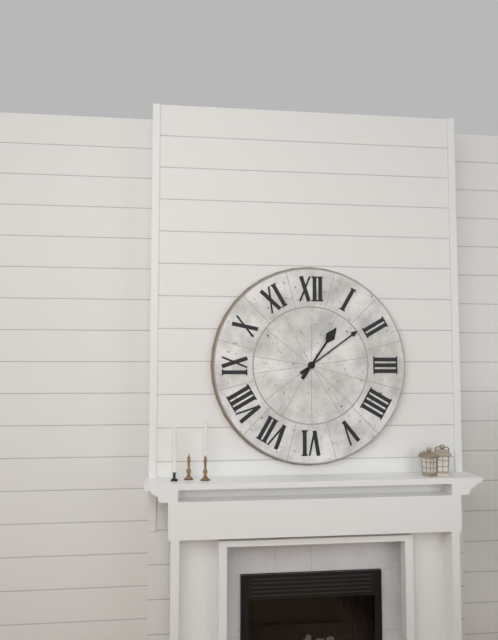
1:09
